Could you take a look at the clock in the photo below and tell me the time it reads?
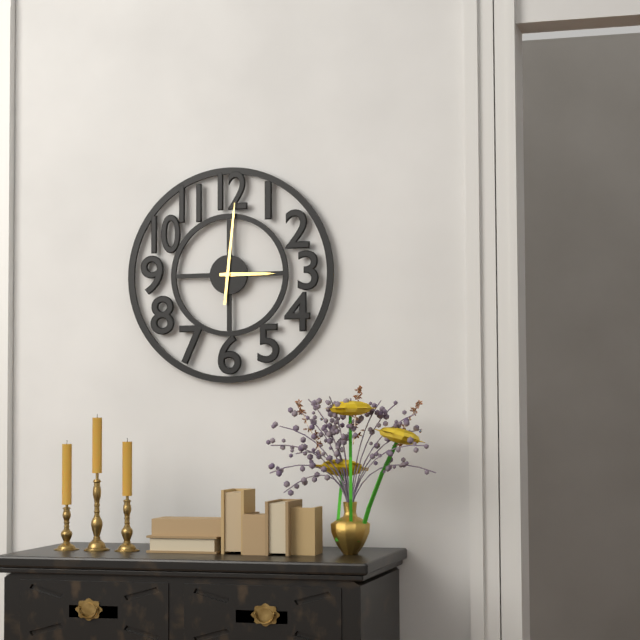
3:01
